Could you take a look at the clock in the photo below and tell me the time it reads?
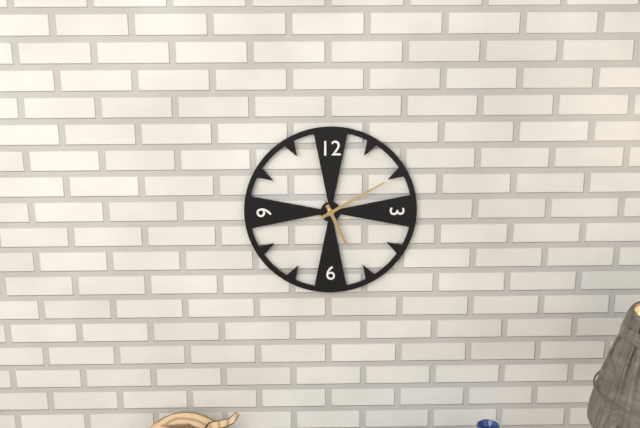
5:10
